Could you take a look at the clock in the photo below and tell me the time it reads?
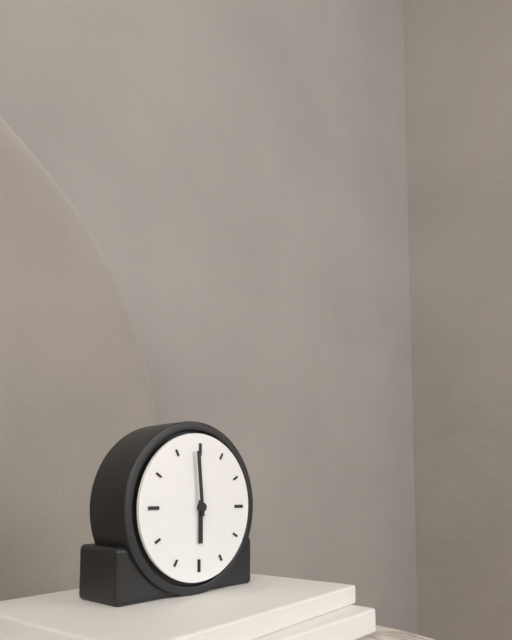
5:59
